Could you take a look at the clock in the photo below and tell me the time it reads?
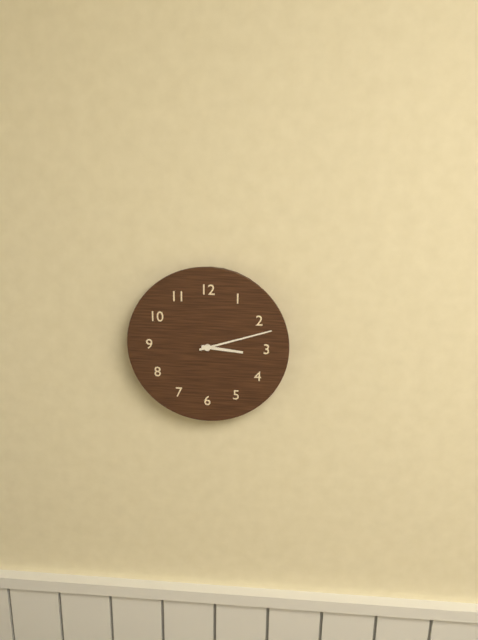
3:12
